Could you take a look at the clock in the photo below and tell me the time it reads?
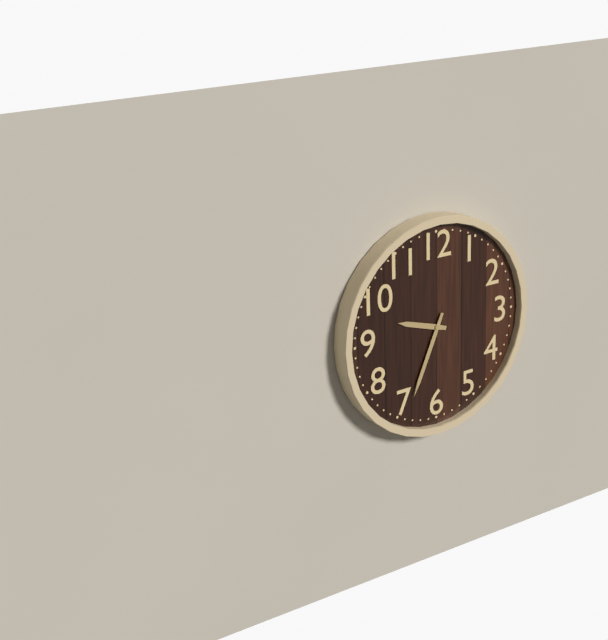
9:34
